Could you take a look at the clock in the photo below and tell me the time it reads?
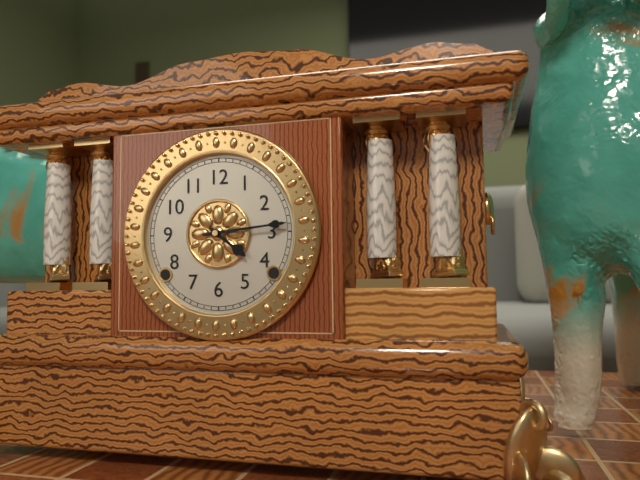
4:14
